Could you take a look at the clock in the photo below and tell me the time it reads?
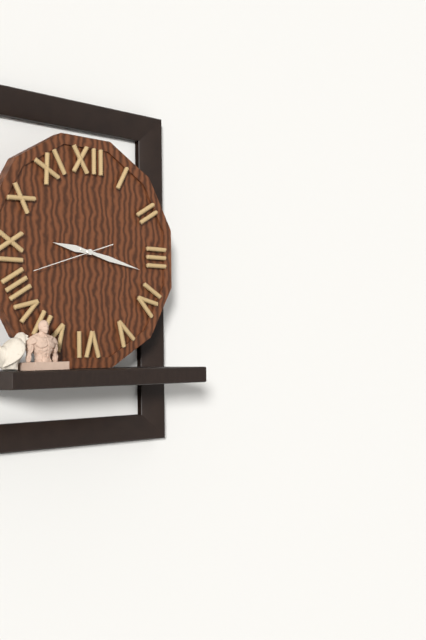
9:17:42
